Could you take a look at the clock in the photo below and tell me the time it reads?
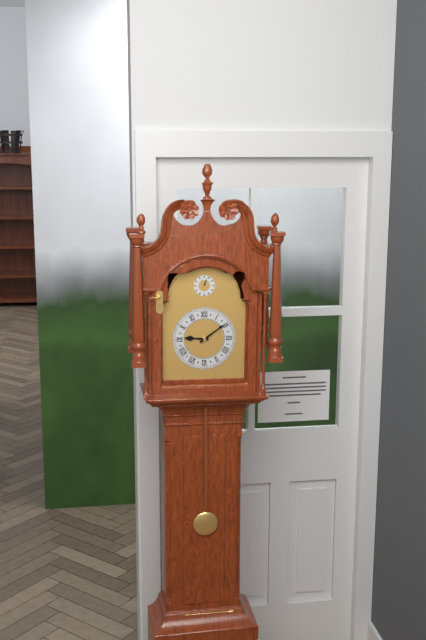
9:09
